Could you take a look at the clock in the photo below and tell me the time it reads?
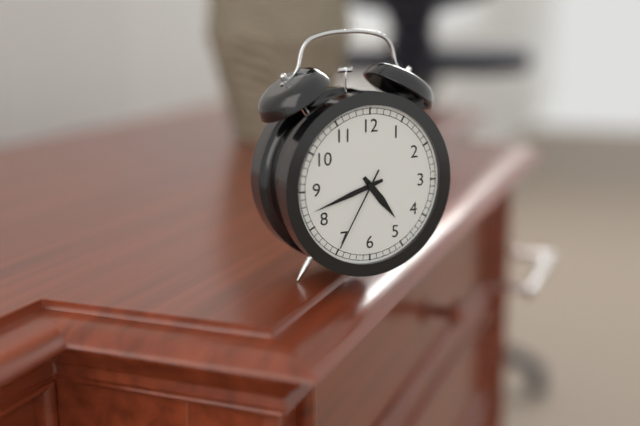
4:42:35
